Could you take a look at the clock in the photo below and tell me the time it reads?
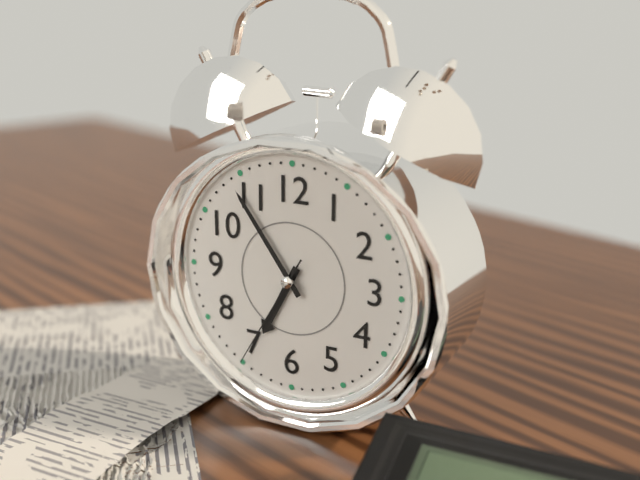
6:54:35
